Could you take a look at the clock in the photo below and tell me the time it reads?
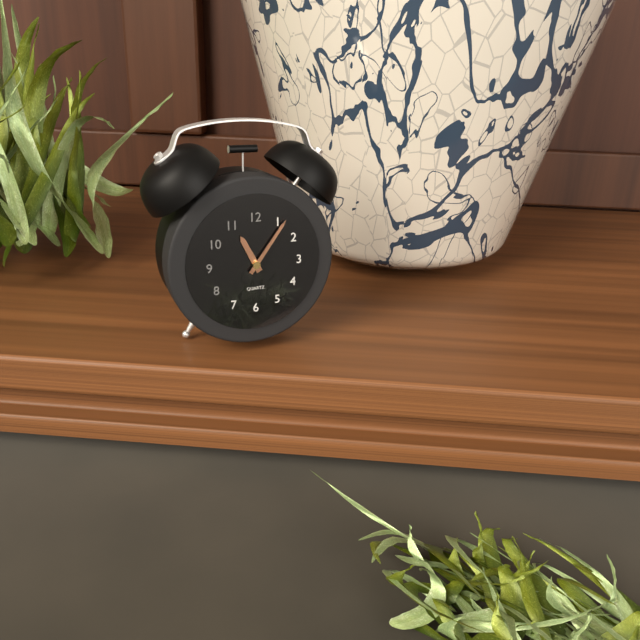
11:06
